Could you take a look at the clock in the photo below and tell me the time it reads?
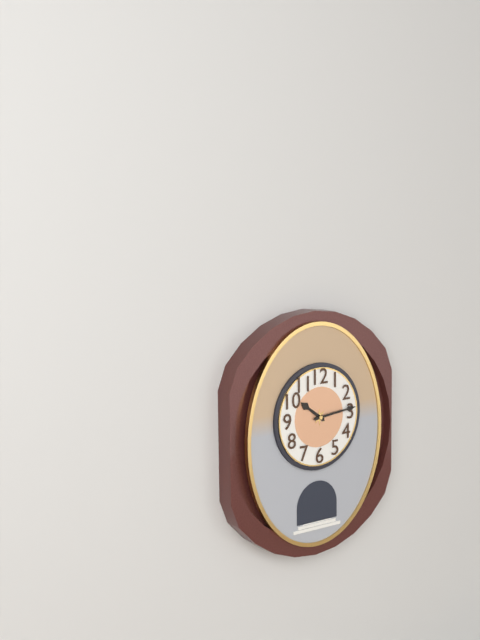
10:14
